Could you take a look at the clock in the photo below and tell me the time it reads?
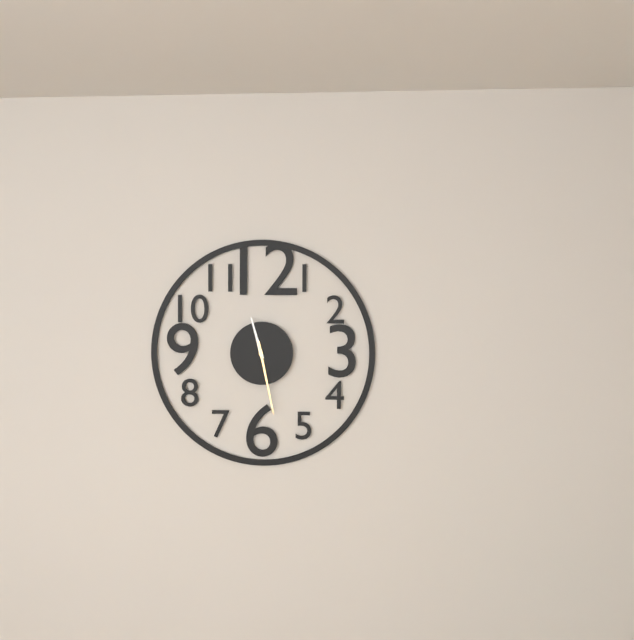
11:28
